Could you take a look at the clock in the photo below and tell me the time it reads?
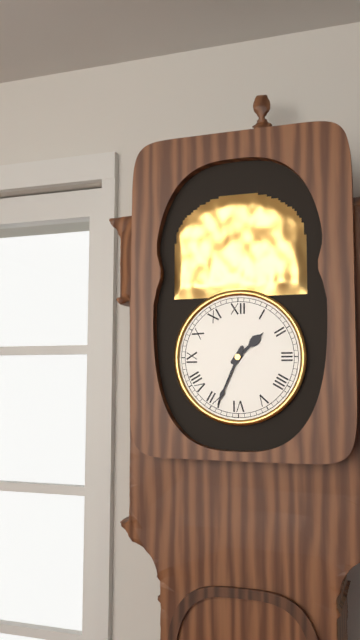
1:34
